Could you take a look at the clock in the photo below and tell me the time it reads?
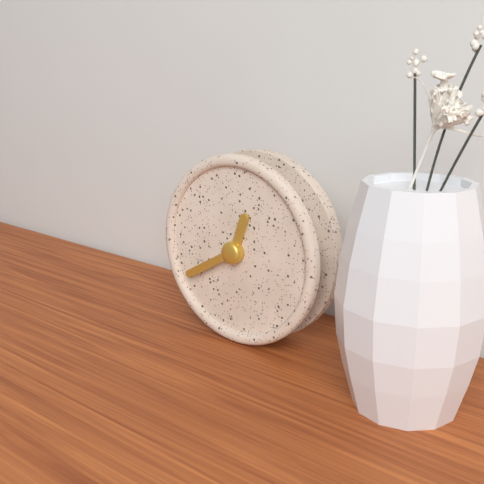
12:40
